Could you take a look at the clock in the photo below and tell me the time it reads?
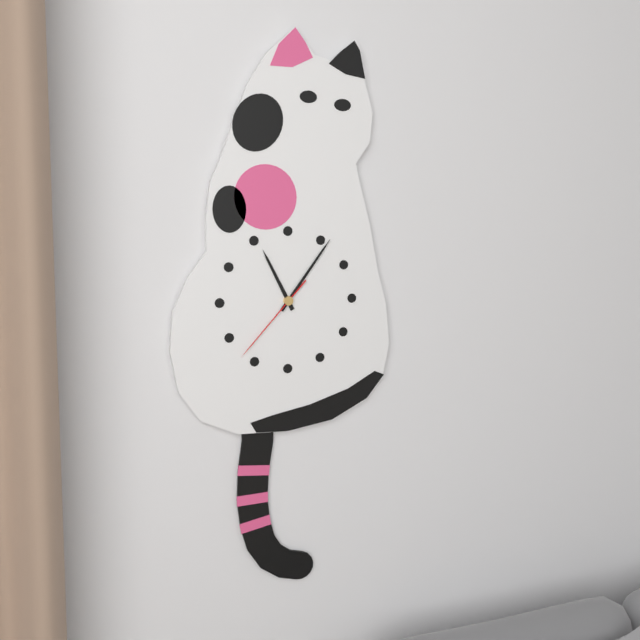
11:06:37
